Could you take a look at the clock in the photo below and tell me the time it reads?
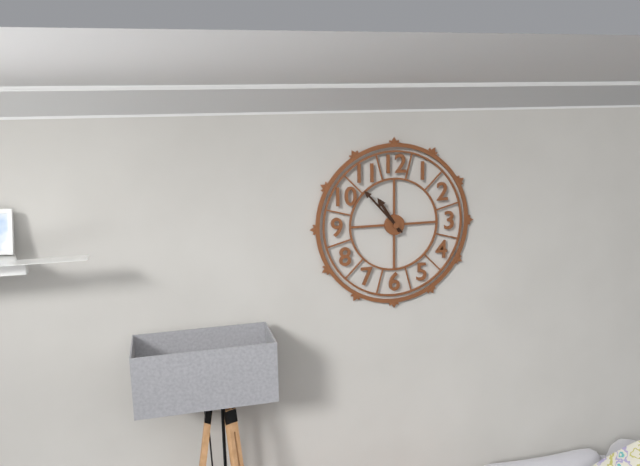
10:53
